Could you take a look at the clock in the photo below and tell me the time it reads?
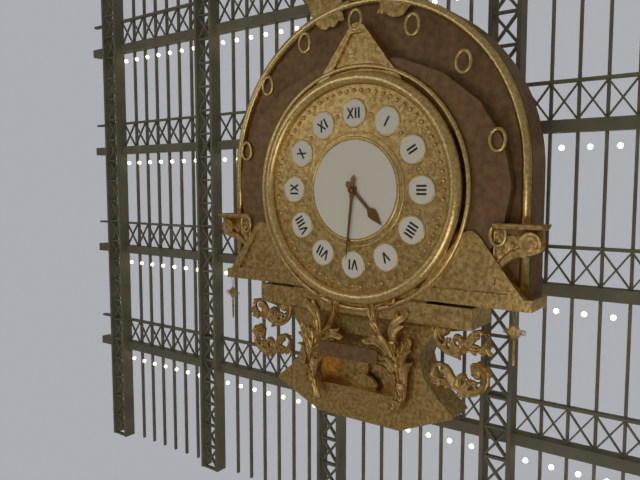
4:31
